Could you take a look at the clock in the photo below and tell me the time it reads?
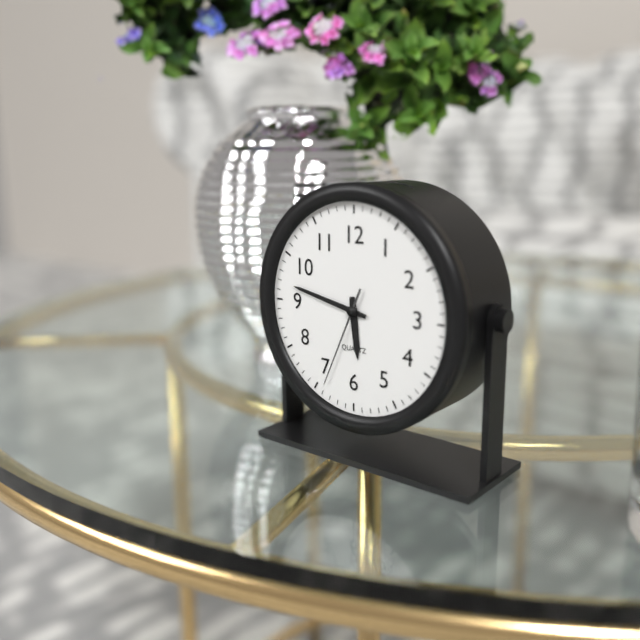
5:47:34
